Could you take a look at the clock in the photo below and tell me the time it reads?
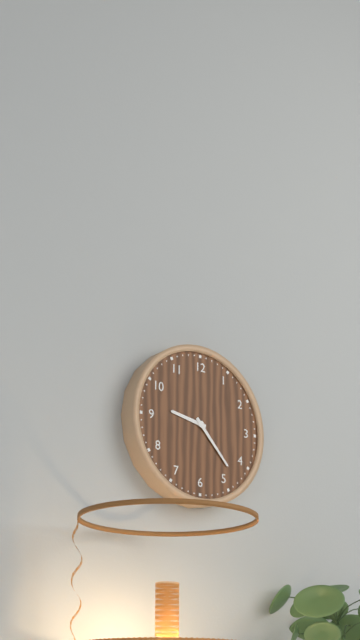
9:23
